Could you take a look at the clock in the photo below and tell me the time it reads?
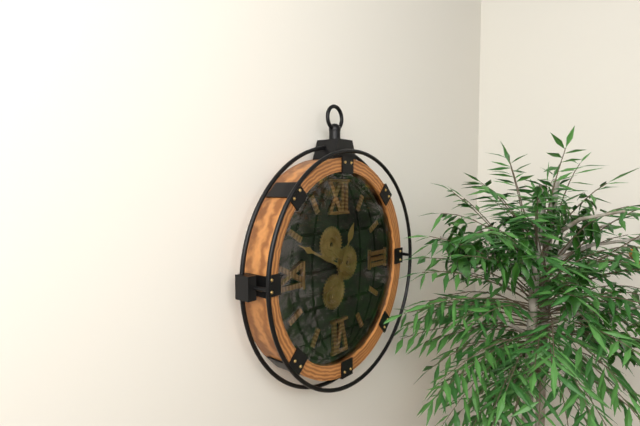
12:49
